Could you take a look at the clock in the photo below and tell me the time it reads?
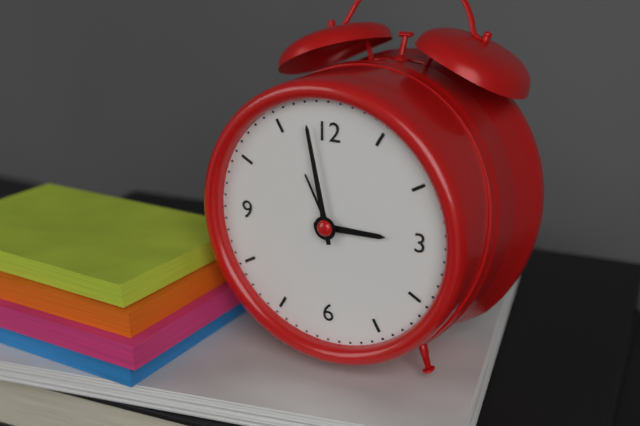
2:58
